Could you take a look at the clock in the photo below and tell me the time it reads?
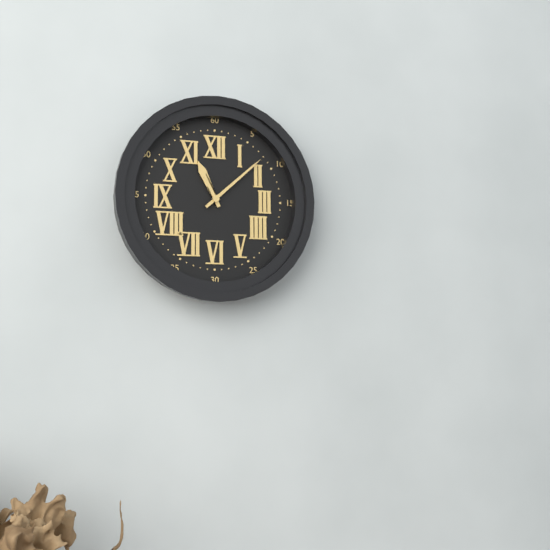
11:08
